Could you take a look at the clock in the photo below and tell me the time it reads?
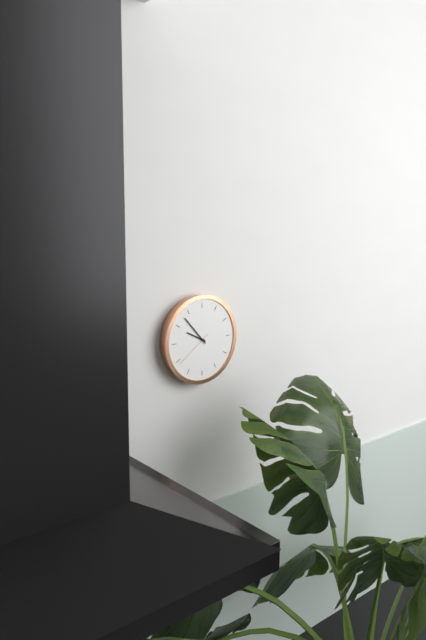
9:53
